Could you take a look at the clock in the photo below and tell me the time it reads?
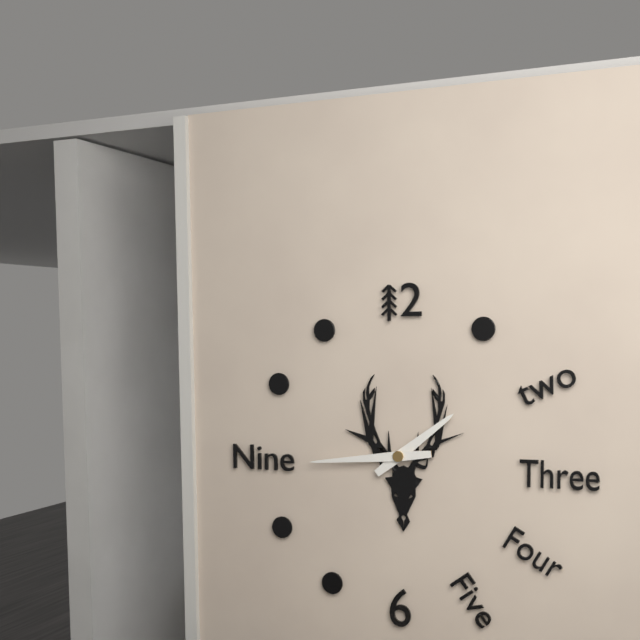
1:44
